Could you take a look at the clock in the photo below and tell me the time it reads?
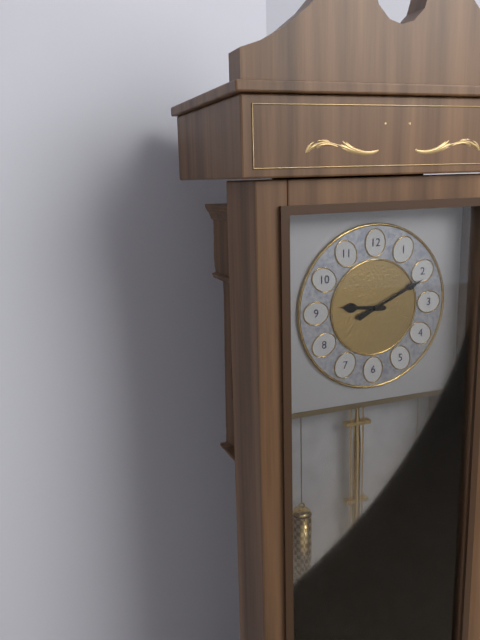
9:11
